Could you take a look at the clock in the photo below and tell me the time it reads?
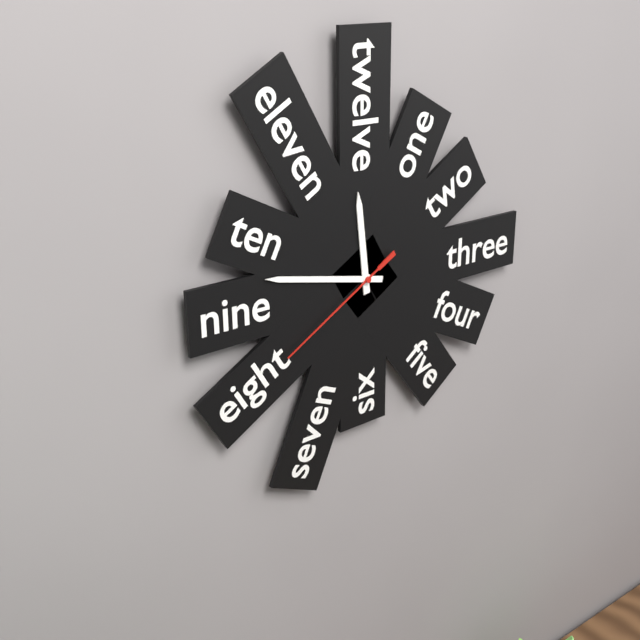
11:47:40
